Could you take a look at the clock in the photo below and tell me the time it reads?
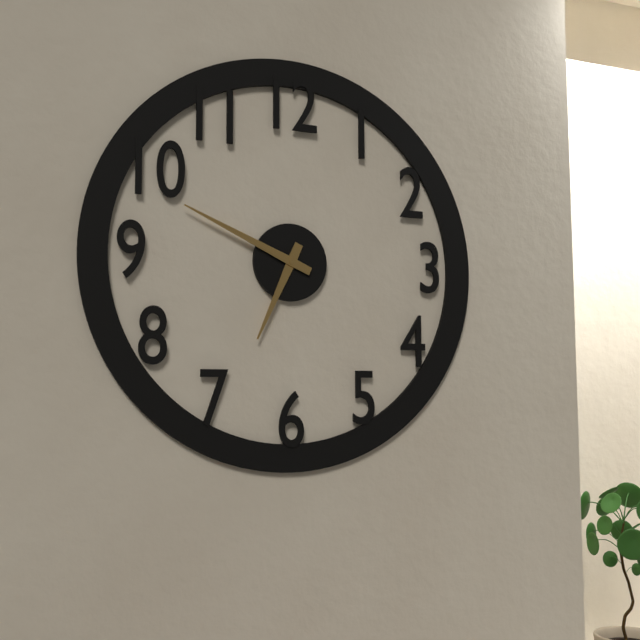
6:49
